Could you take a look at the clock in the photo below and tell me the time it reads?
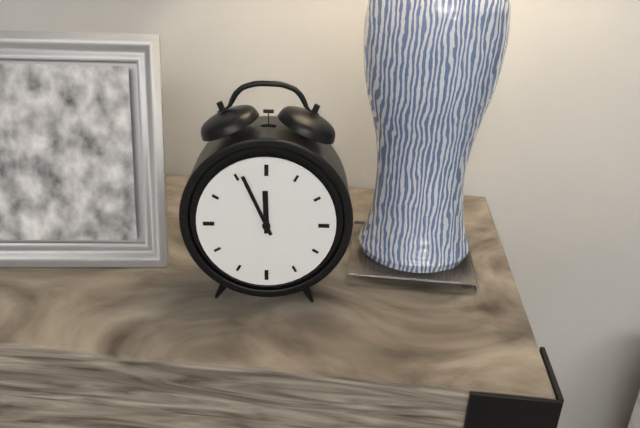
11:56
